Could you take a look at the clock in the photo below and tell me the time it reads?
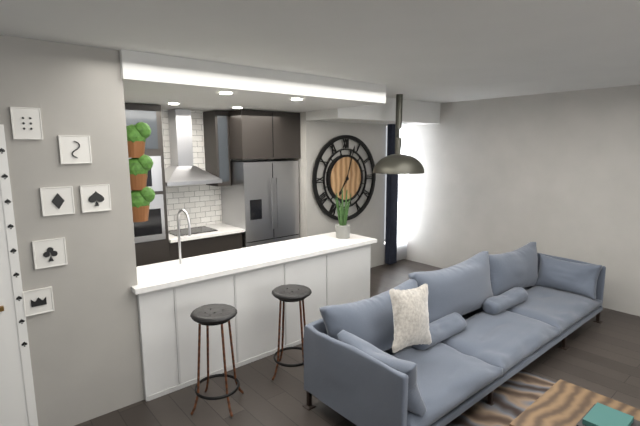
7:03
